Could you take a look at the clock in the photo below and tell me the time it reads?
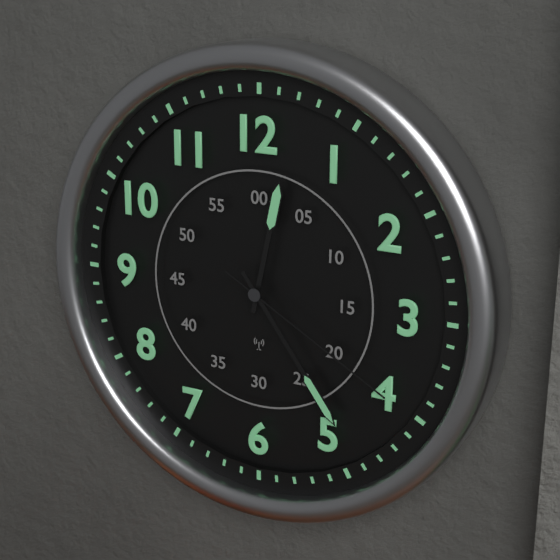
12:24:20
